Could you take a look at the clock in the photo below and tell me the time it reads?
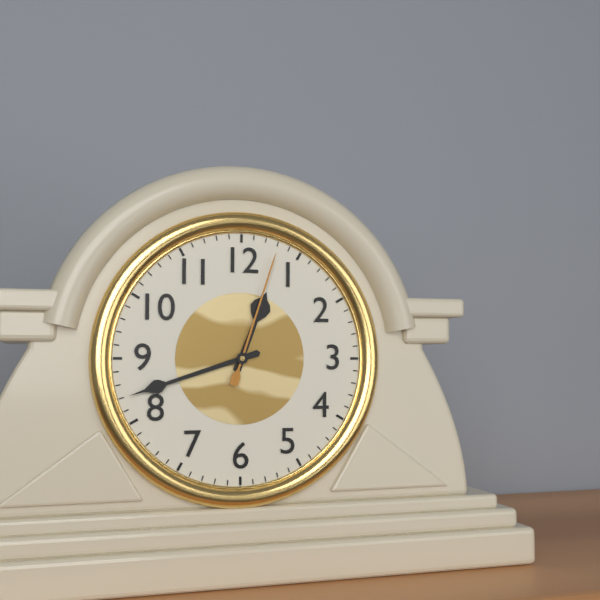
12:42:03
